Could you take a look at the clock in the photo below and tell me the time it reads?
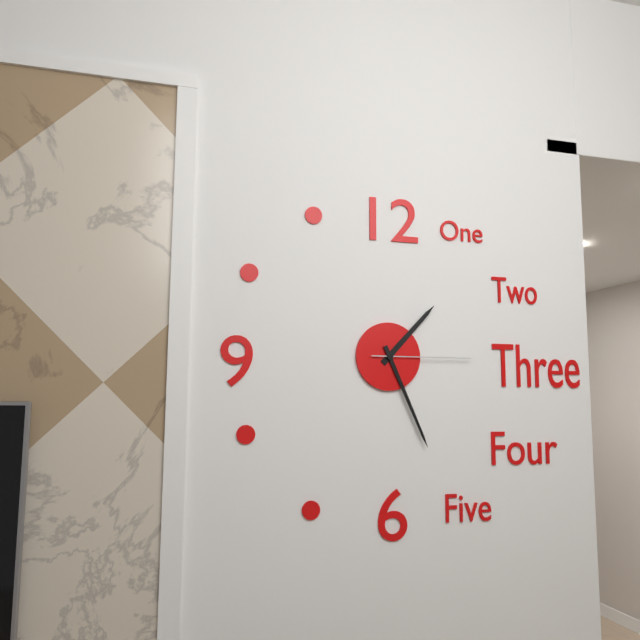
1:26:15
